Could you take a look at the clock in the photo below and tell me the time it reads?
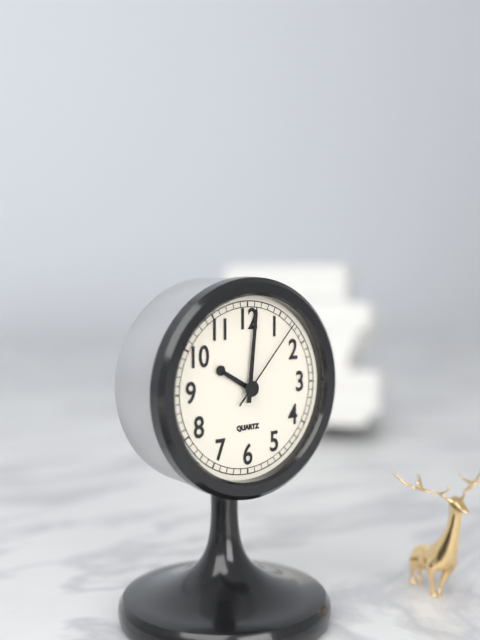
10:01:07
